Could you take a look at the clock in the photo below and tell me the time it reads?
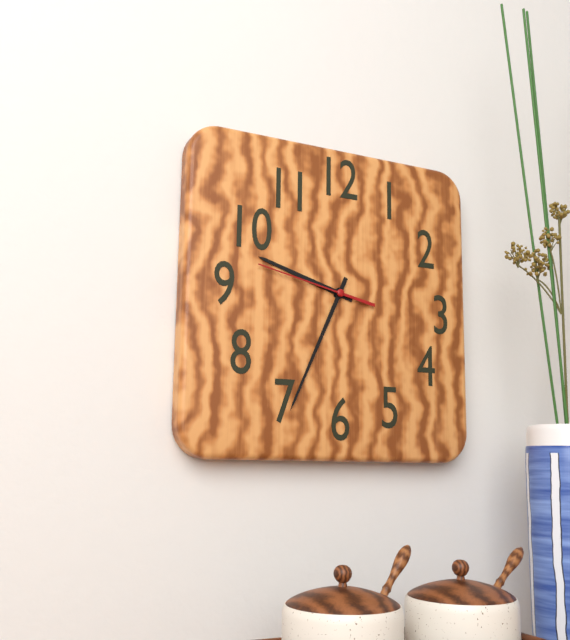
9:34:47
